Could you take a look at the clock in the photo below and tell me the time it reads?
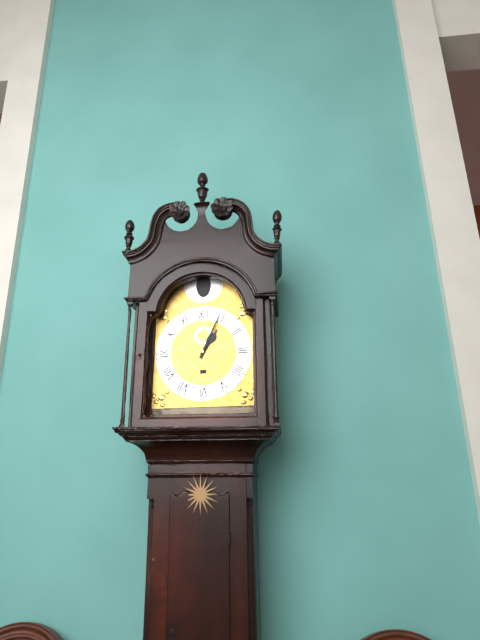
1:04
